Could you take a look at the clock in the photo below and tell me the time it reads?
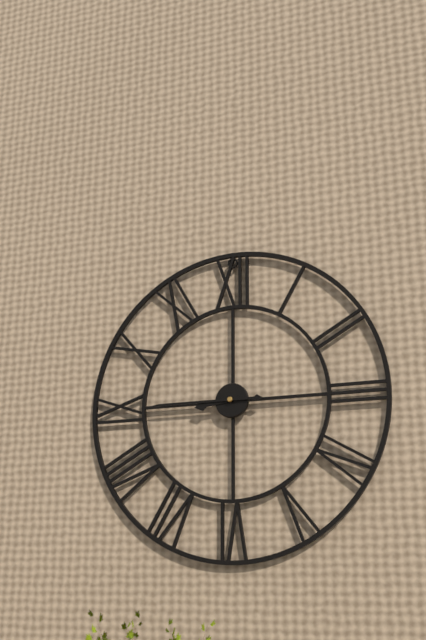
8:45
